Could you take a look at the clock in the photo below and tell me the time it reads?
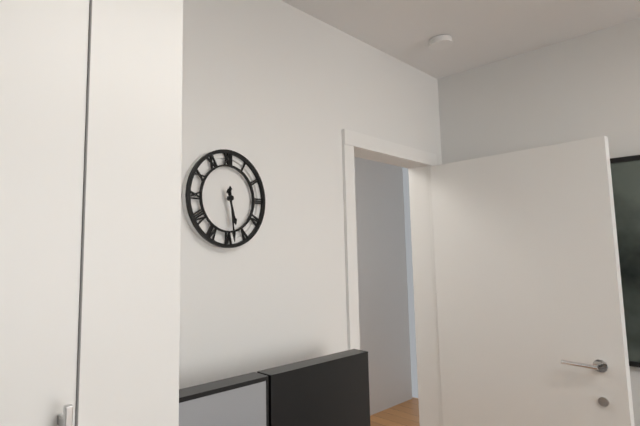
5:29
